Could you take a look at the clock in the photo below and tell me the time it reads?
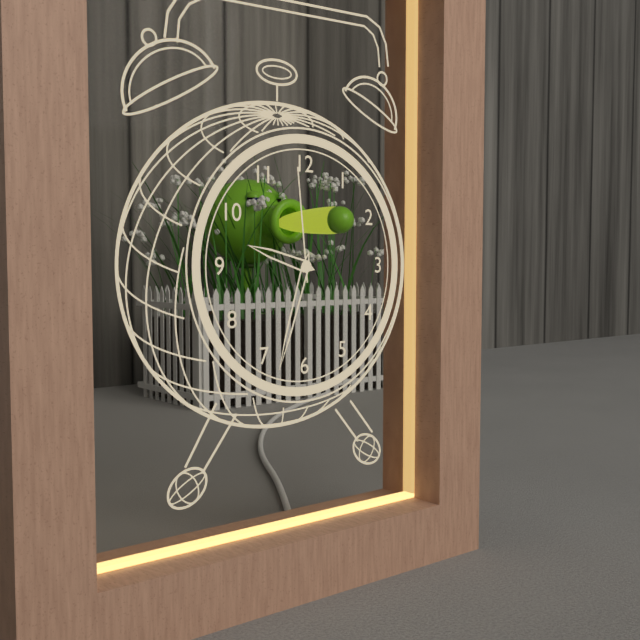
9:33:59
